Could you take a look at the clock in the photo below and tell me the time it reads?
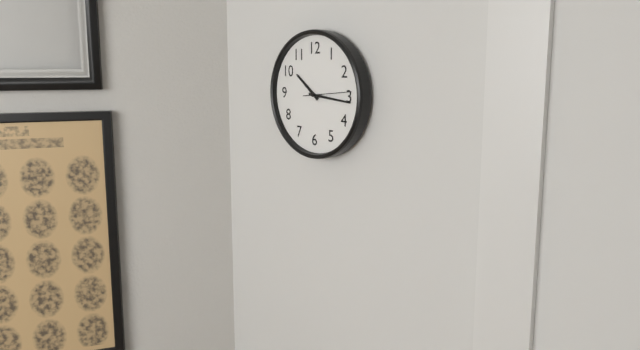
10:16
